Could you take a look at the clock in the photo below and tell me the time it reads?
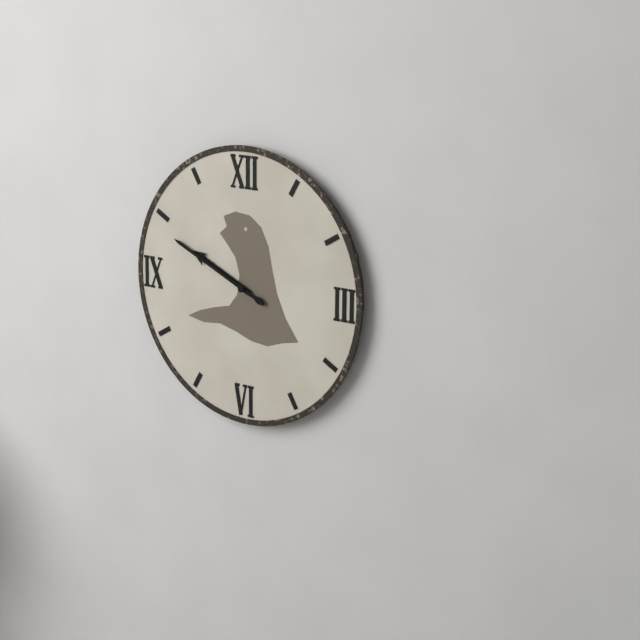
9:49
